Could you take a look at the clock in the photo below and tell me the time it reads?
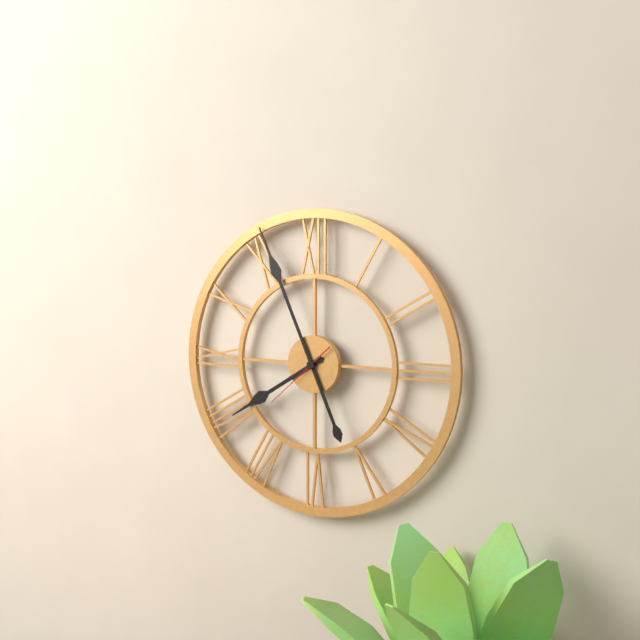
7:56:38
